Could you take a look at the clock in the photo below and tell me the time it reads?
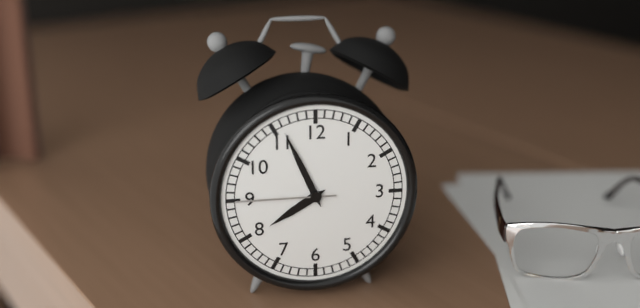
7:56:45
